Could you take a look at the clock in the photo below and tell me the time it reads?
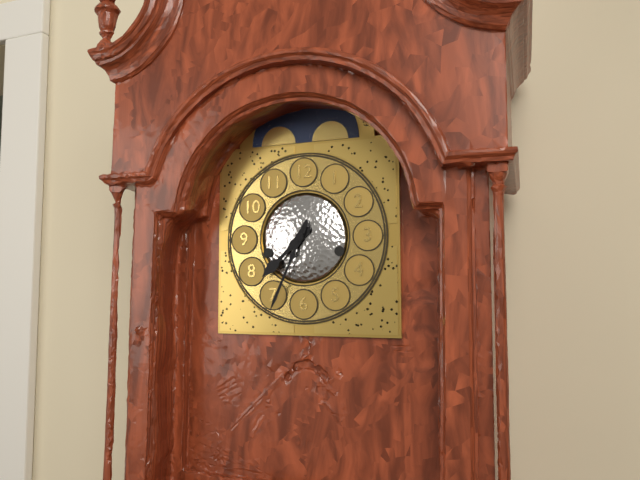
7:34
